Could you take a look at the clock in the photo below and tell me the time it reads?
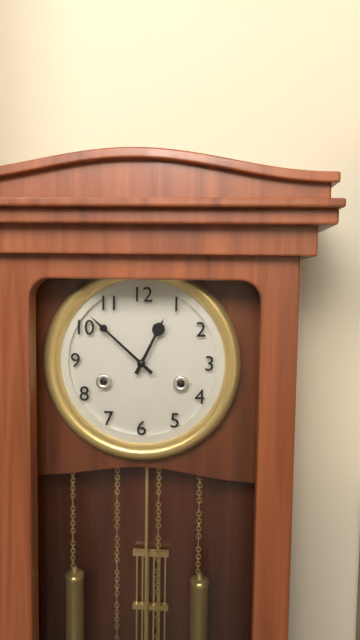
12:52
